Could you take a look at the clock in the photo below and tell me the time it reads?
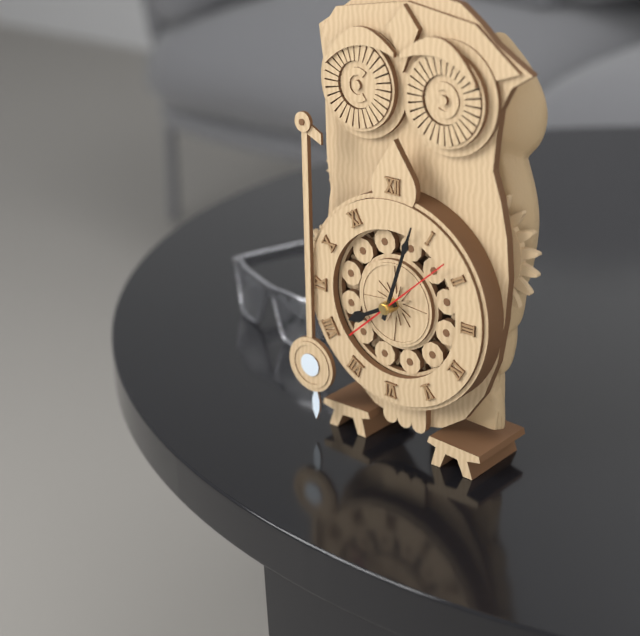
8:03:08
